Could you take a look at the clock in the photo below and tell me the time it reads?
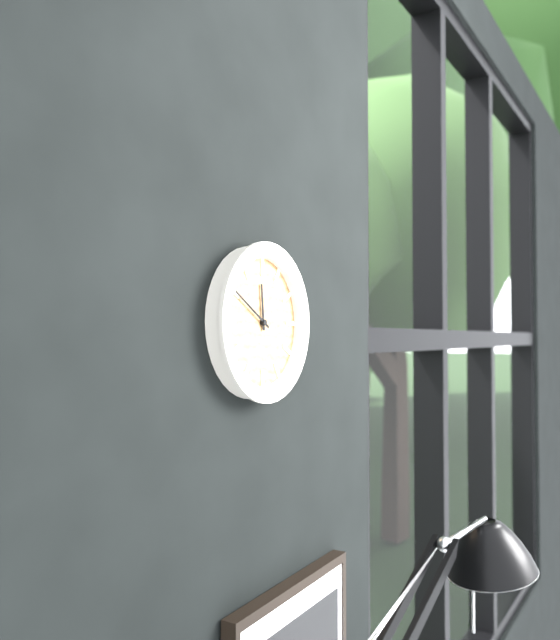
11:50
